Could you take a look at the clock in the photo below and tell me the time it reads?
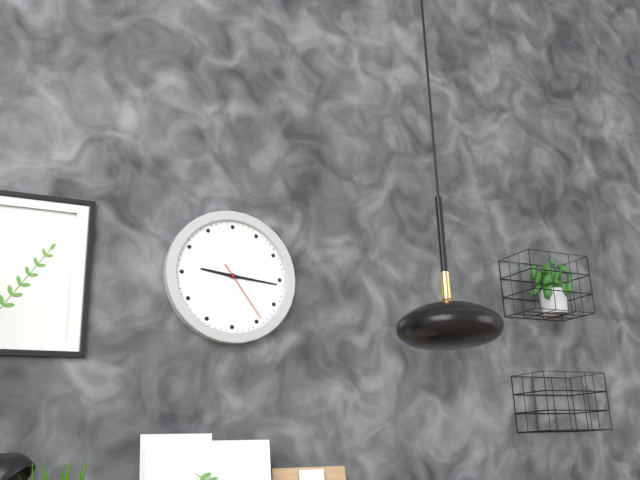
9:16:24
